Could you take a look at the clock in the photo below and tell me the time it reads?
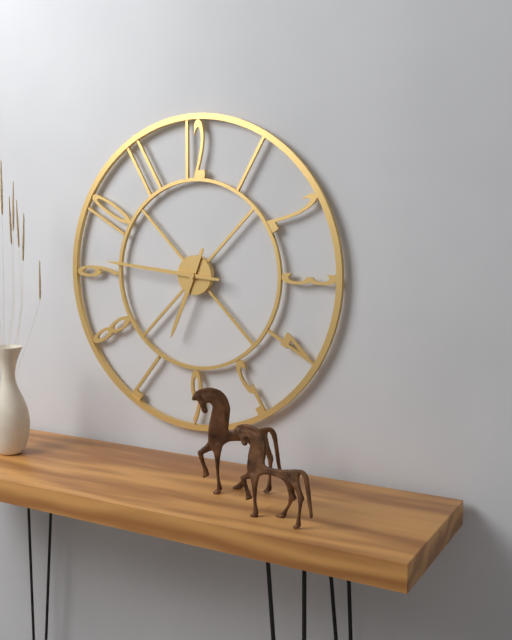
6:46
